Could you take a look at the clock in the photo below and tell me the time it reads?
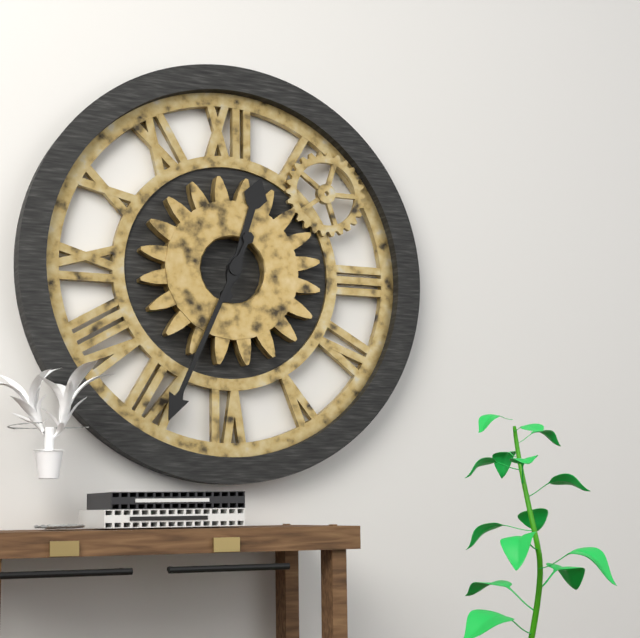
12:34
